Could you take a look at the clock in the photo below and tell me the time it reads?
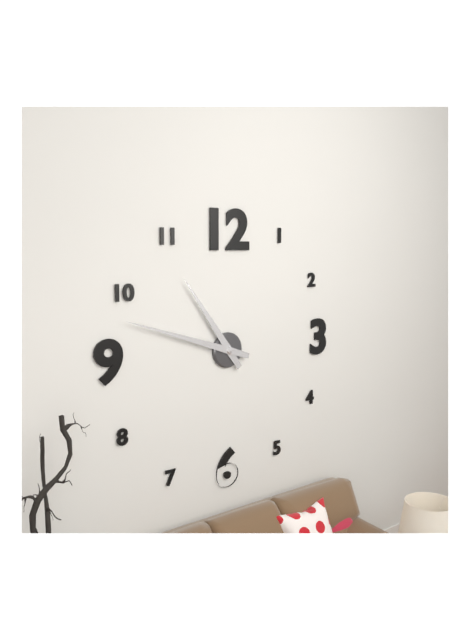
10:48
